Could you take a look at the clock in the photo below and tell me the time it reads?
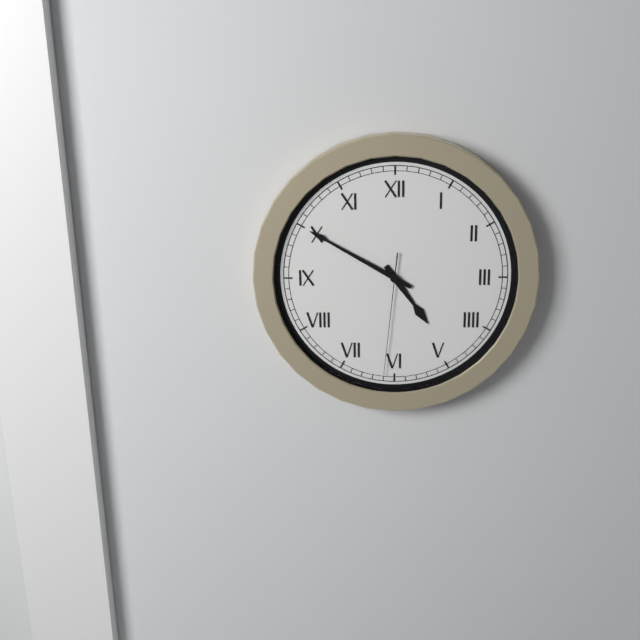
4:50:31
